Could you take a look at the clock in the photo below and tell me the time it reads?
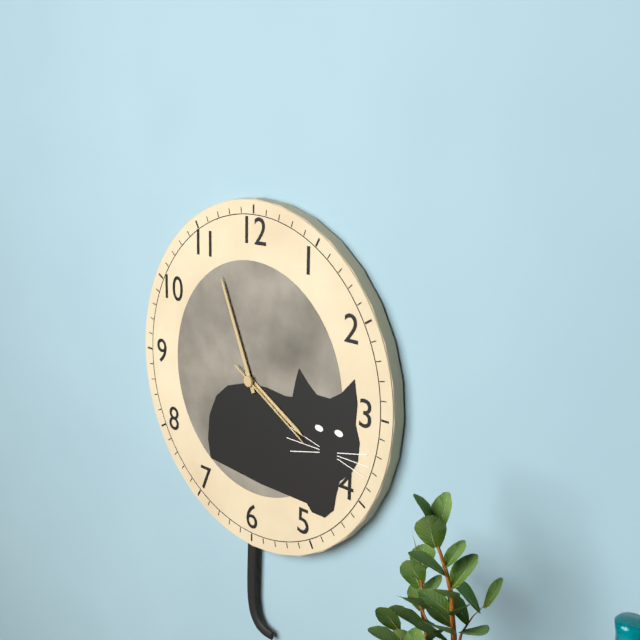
3:56:20
